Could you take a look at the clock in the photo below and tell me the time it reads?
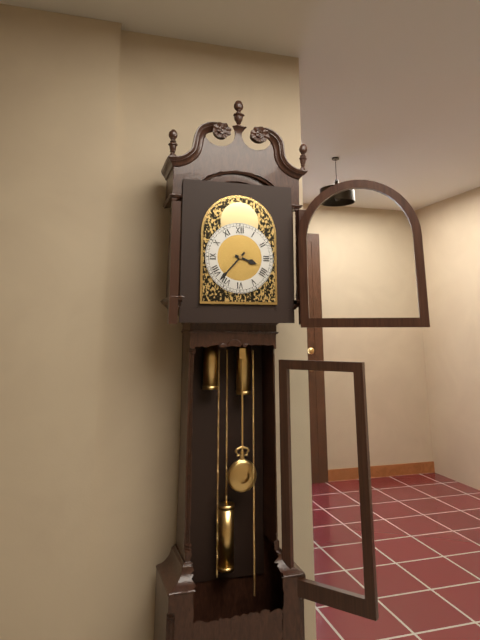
3:37
